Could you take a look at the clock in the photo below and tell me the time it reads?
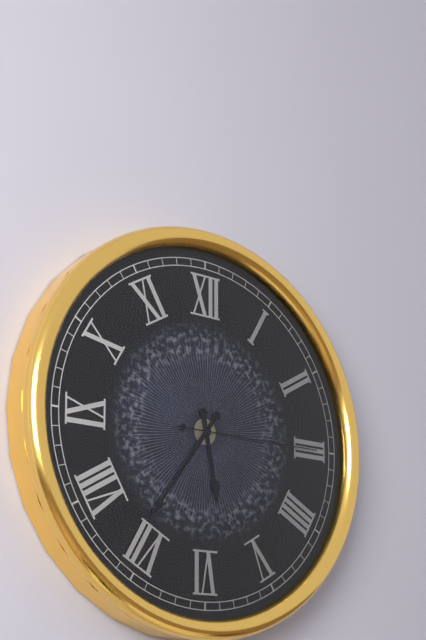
5:36:15
